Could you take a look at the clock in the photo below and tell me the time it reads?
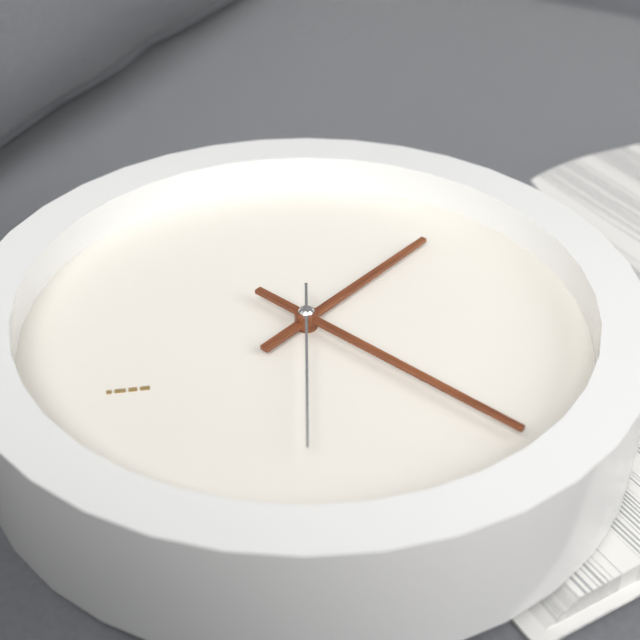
1:22:30
